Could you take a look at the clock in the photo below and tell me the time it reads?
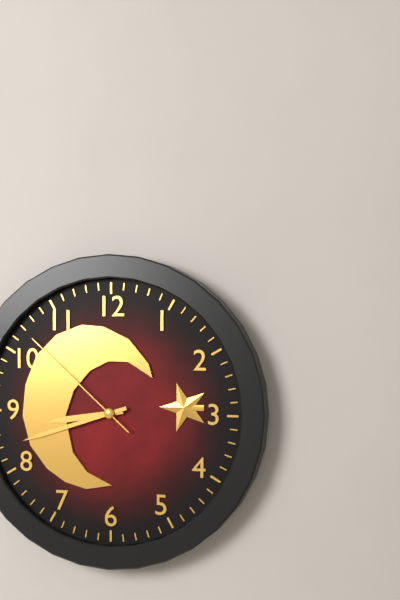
8:42:52
